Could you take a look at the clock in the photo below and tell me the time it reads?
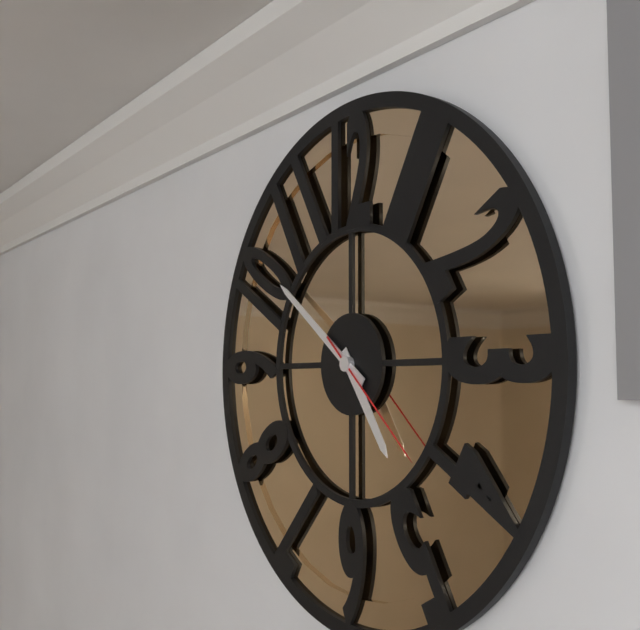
4:51:22
